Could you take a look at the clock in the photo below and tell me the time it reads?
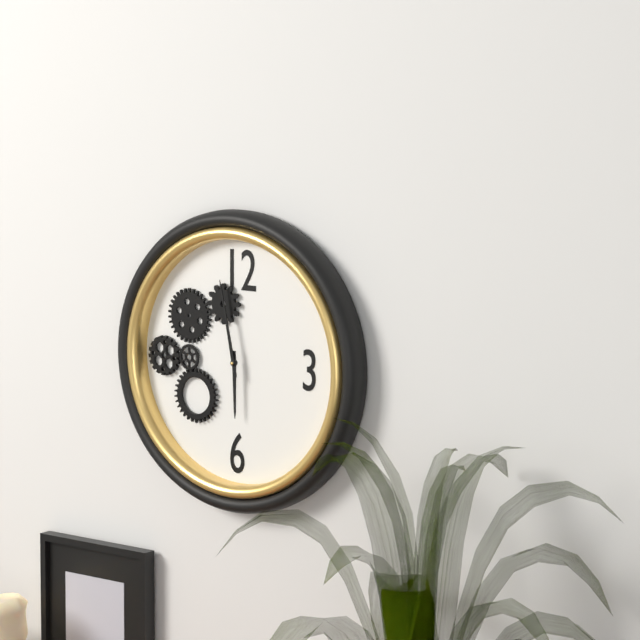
5:58
